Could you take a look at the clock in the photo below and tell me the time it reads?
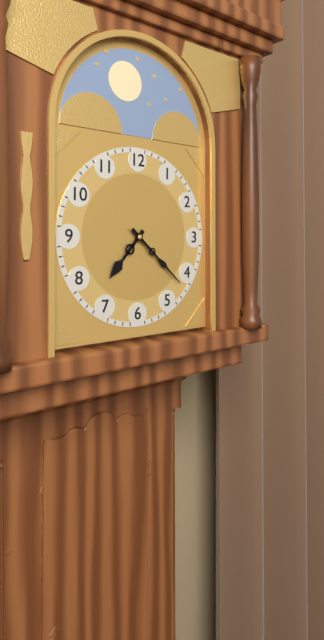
7:22
